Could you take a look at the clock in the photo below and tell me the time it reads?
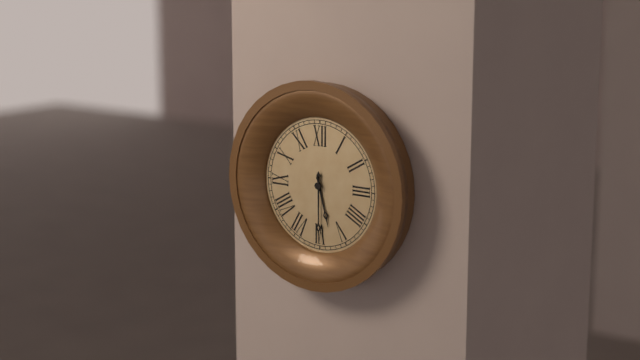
5:30
